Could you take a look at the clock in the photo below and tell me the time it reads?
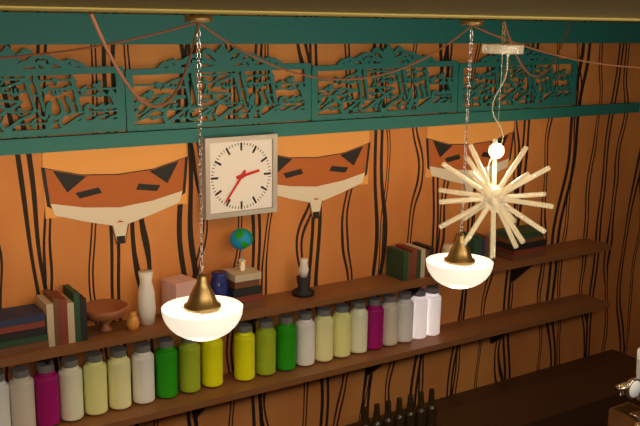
2:36
